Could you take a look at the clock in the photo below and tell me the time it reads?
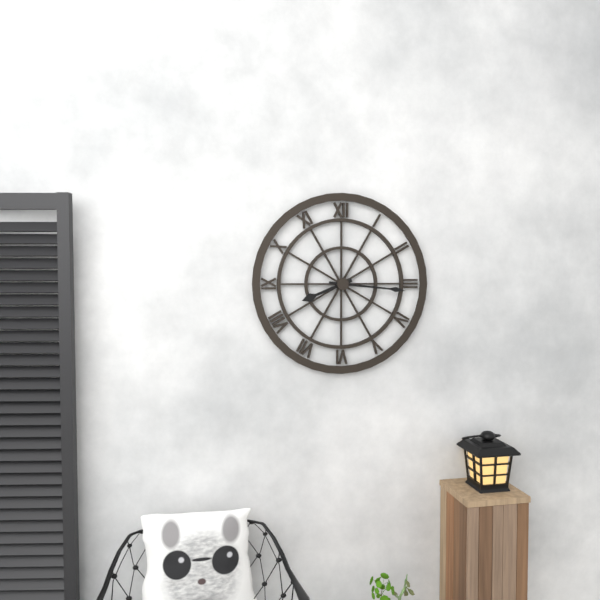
8:16
